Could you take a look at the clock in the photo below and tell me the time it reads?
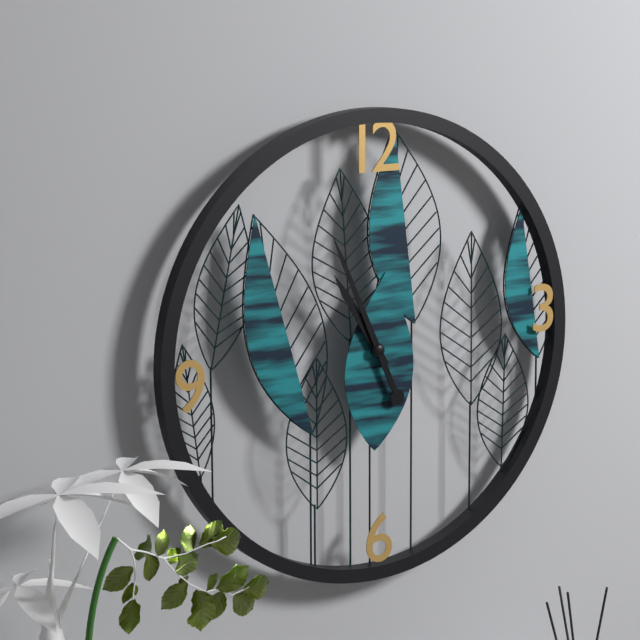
10:56
